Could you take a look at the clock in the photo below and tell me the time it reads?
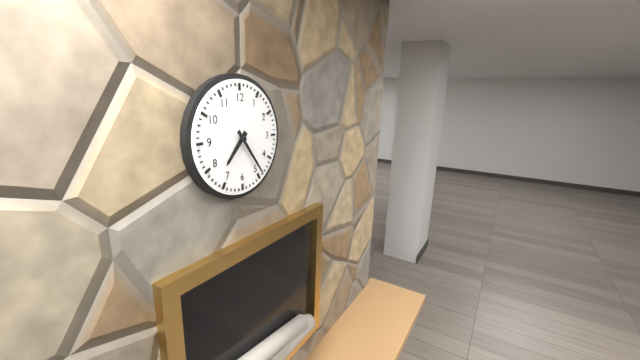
7:24
